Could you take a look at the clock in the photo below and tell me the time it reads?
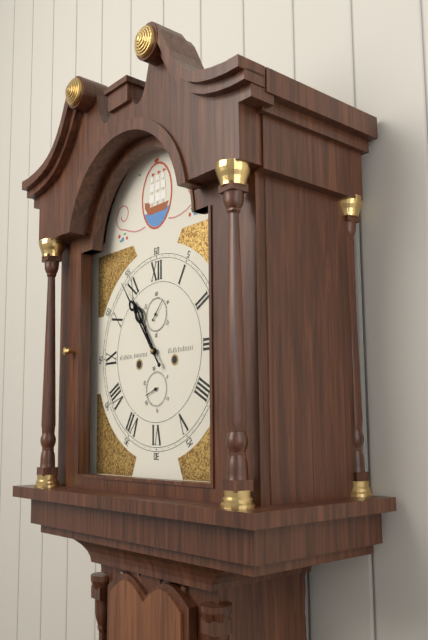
10:54
